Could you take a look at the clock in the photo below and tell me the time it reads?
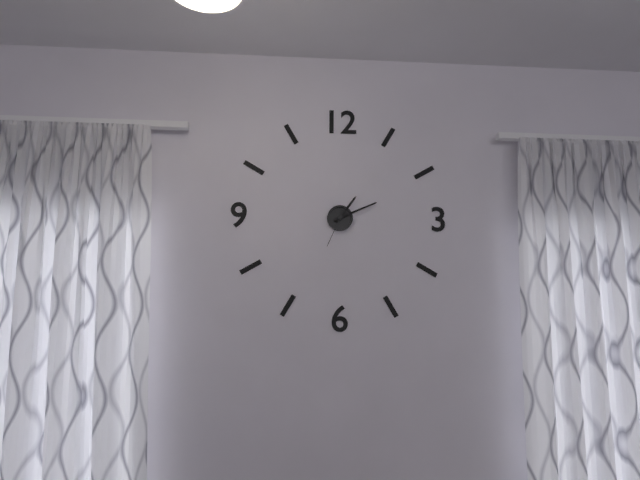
1:11
